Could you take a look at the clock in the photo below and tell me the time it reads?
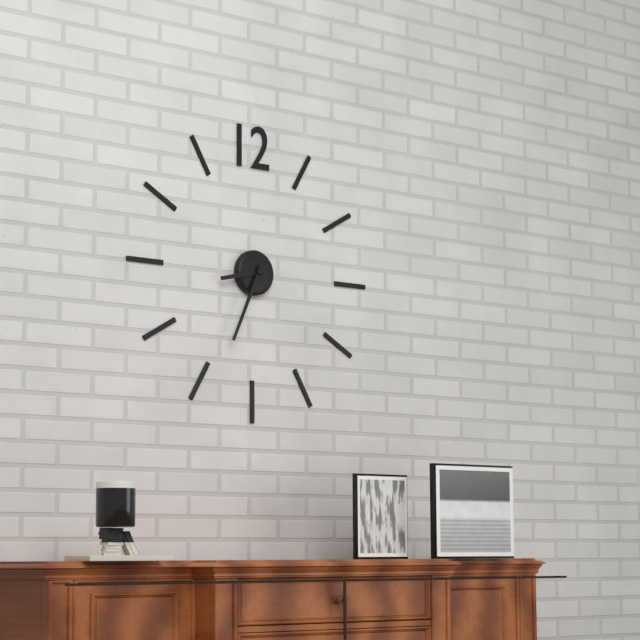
8:34
